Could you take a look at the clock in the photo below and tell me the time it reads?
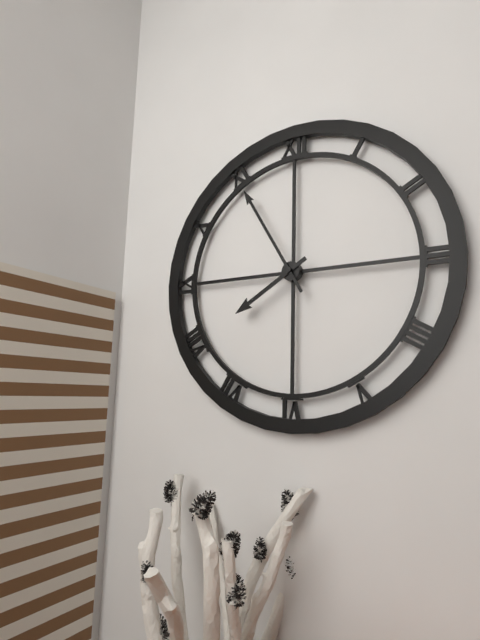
7:55
